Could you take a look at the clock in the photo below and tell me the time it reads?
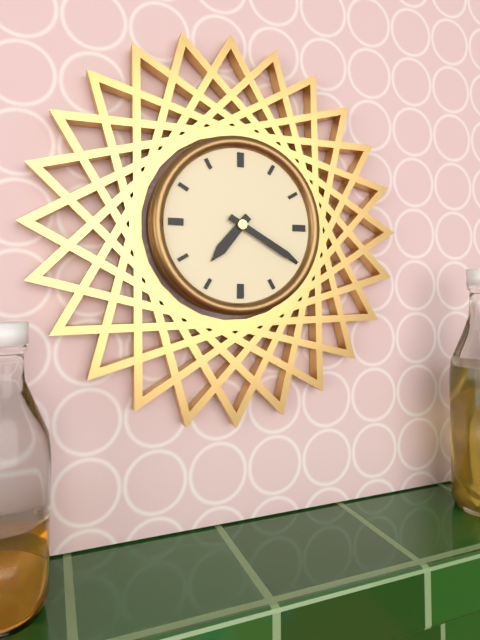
7:20
